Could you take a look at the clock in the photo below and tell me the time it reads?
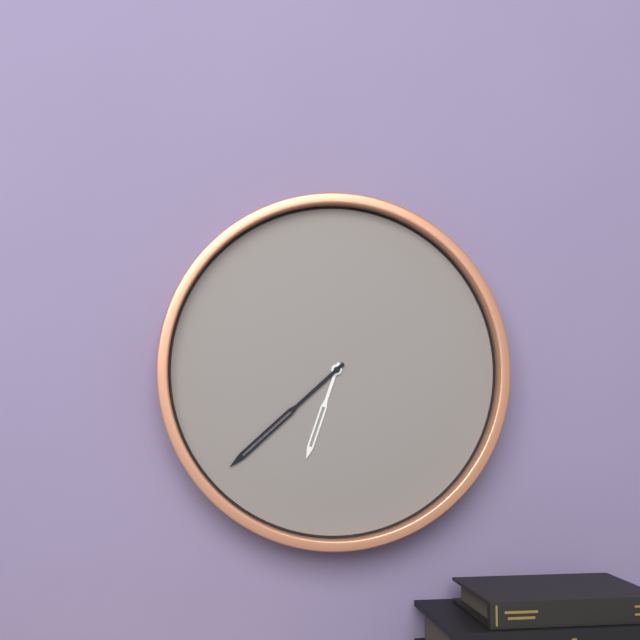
6:38
